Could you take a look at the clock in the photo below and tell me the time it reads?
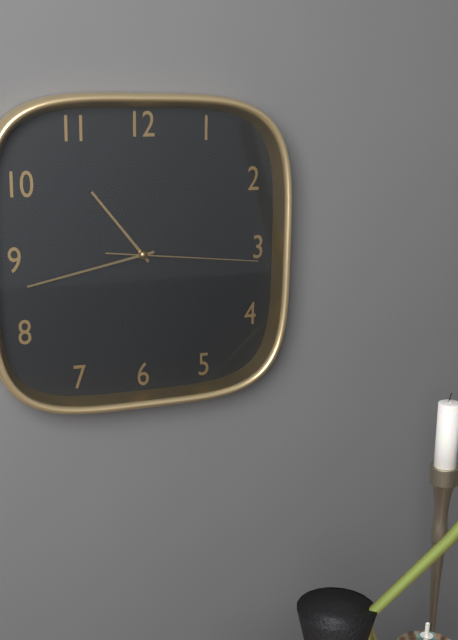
10:43:16
